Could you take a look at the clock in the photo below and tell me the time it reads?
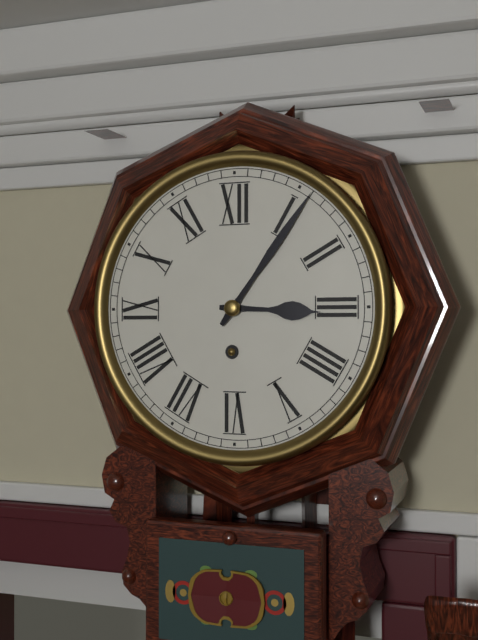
3:06
